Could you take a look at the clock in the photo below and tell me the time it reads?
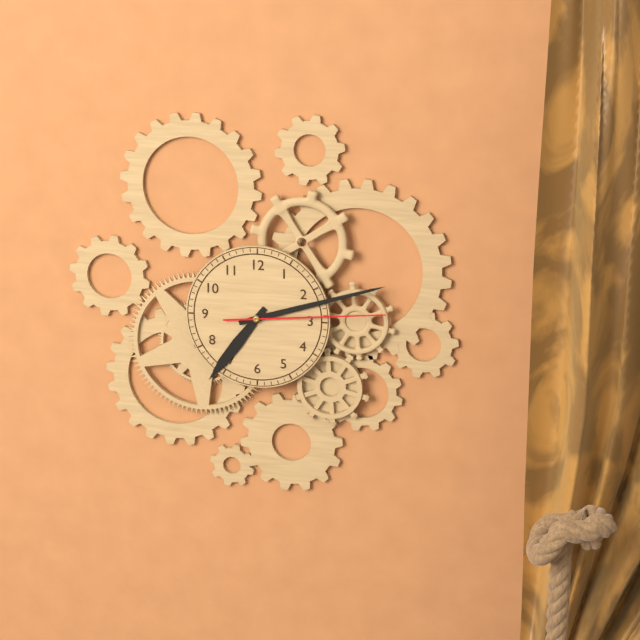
7:12:14
